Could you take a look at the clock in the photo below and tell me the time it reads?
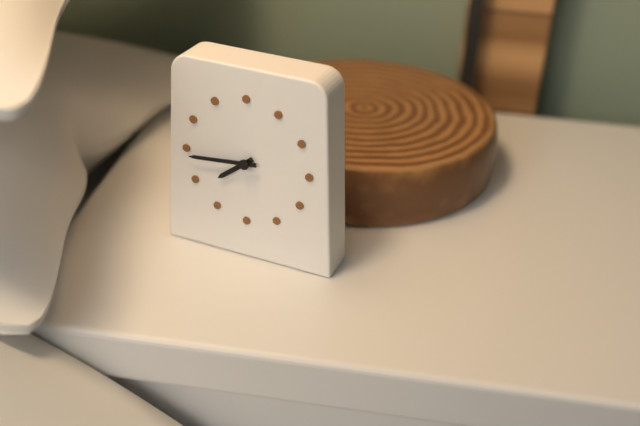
7:44
